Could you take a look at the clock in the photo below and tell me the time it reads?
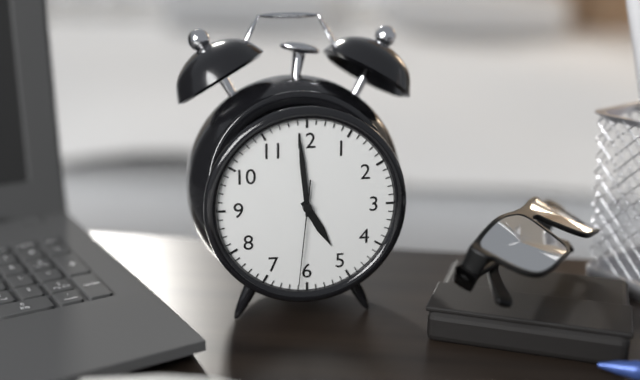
4:59:31
